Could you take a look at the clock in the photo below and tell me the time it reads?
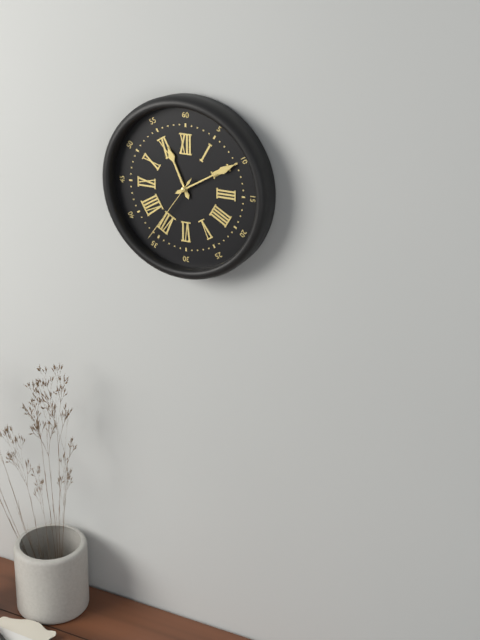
11:10:36
